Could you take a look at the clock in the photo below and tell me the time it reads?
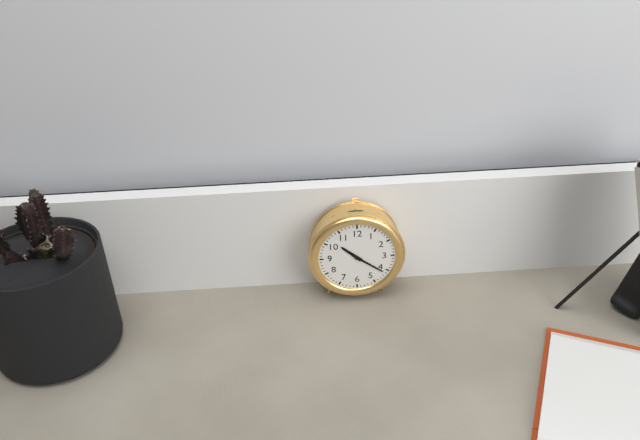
10:21
